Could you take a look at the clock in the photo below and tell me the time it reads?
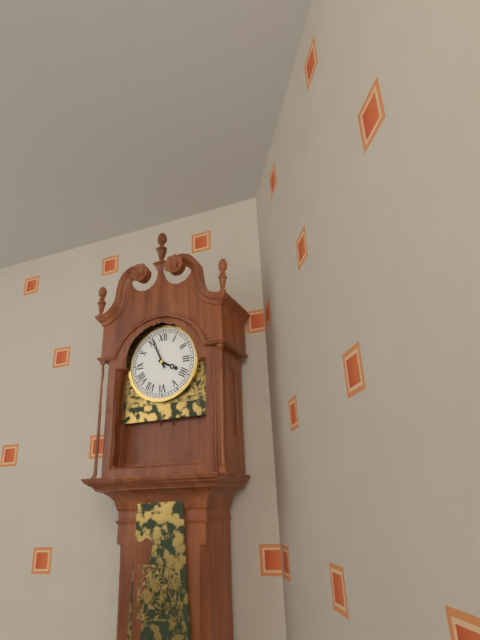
3:56
